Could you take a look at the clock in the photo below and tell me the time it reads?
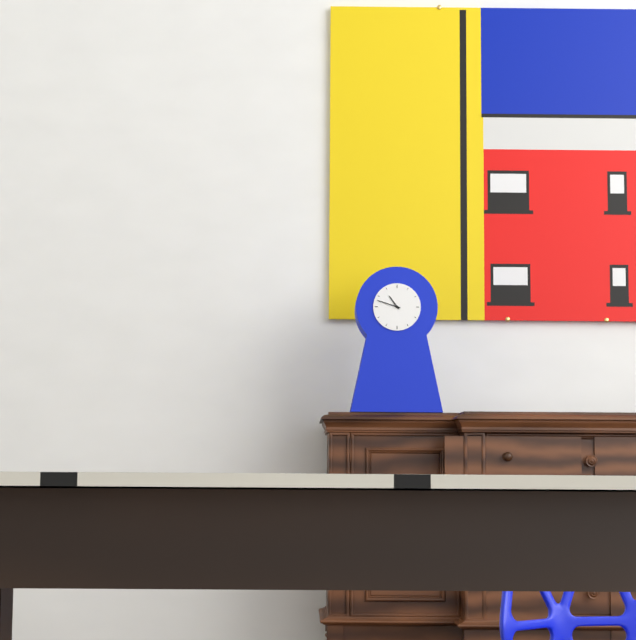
10:48
